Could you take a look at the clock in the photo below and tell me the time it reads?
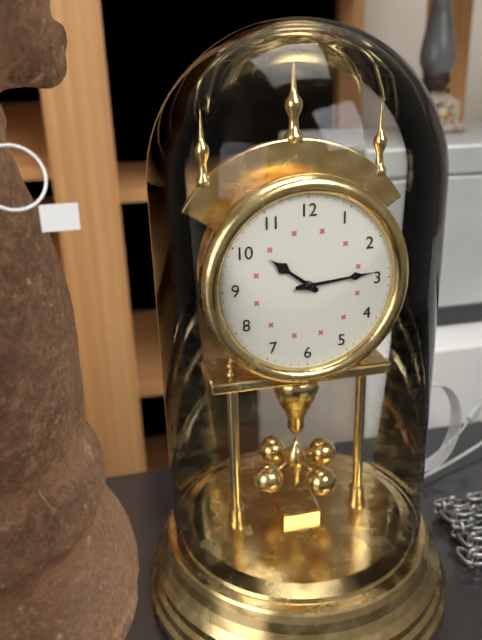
10:14
